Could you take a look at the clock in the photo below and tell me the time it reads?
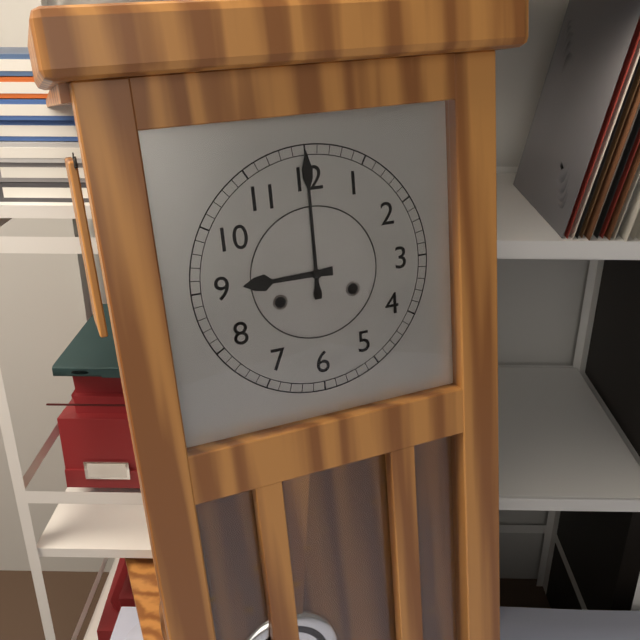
9:00
